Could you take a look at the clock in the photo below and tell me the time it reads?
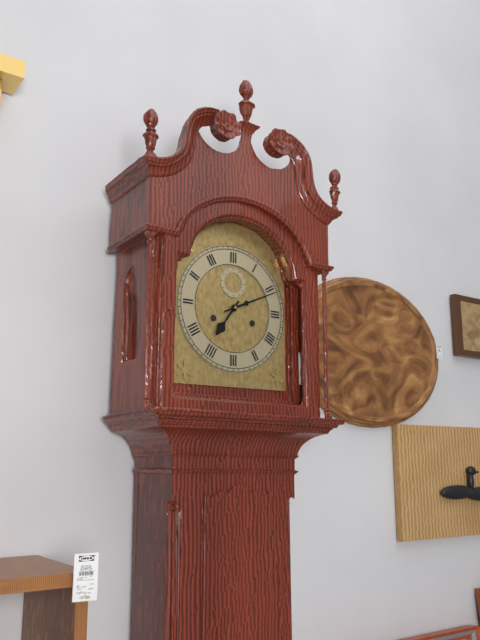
7:11
